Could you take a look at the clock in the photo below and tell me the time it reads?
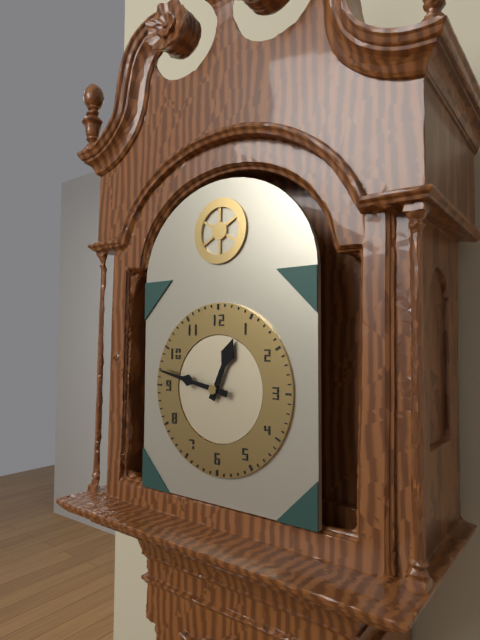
12:47
